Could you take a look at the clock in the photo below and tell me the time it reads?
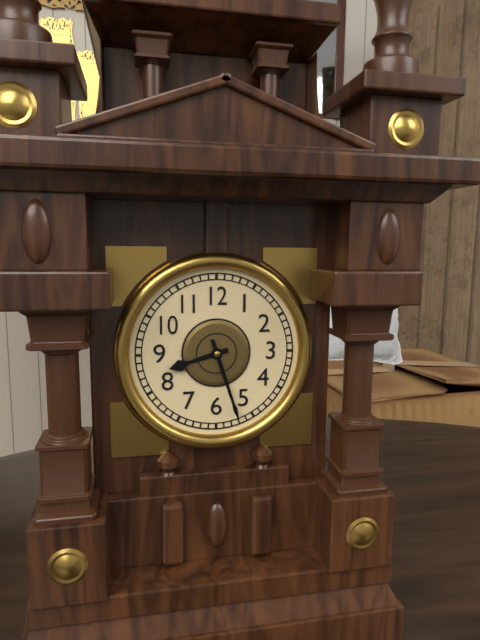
8:27
